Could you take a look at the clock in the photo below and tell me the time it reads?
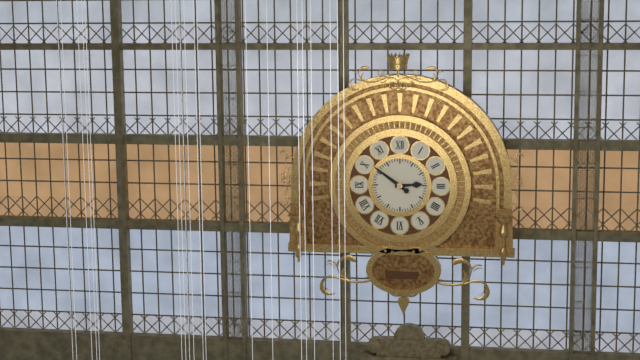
2:51
